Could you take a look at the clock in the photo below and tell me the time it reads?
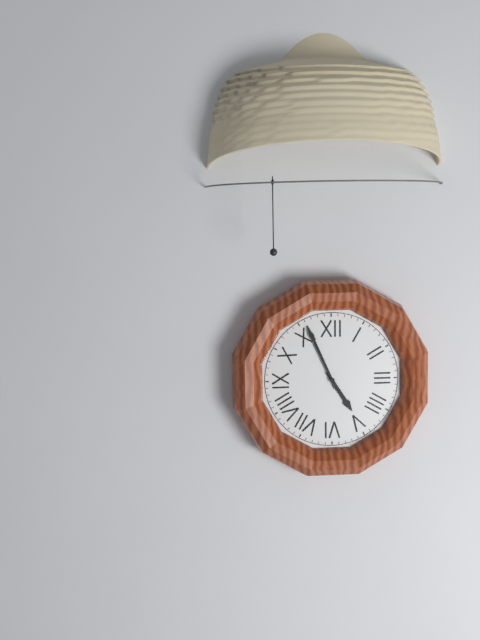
4:56
